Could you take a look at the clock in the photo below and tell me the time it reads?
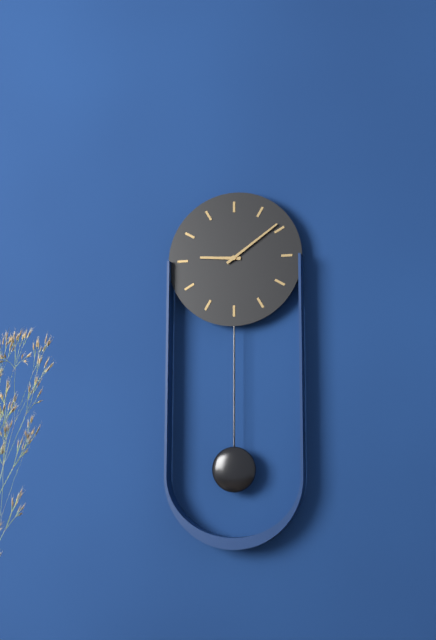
9:09
